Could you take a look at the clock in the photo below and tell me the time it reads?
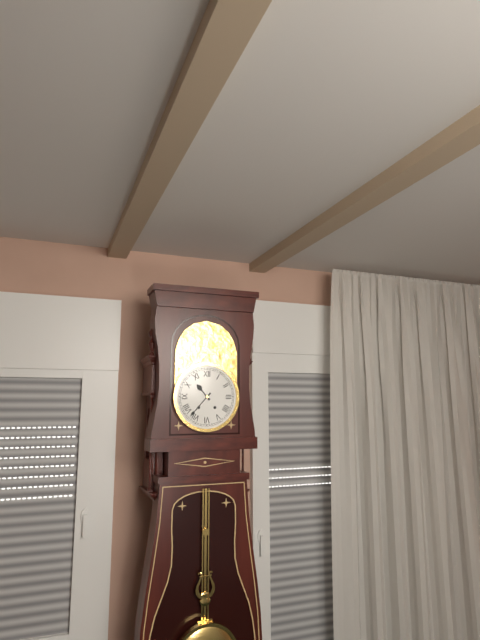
10:37
